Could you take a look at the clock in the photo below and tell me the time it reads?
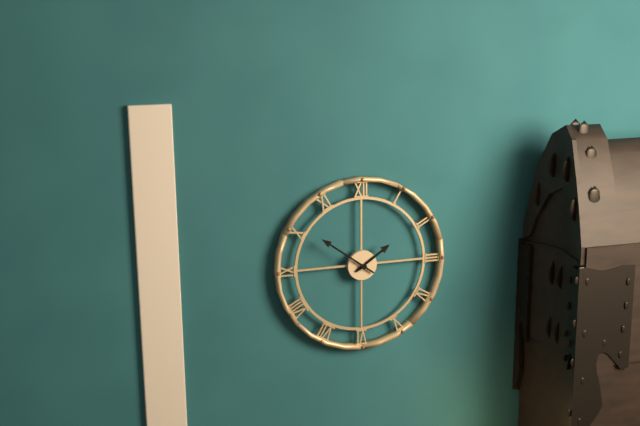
1:51
